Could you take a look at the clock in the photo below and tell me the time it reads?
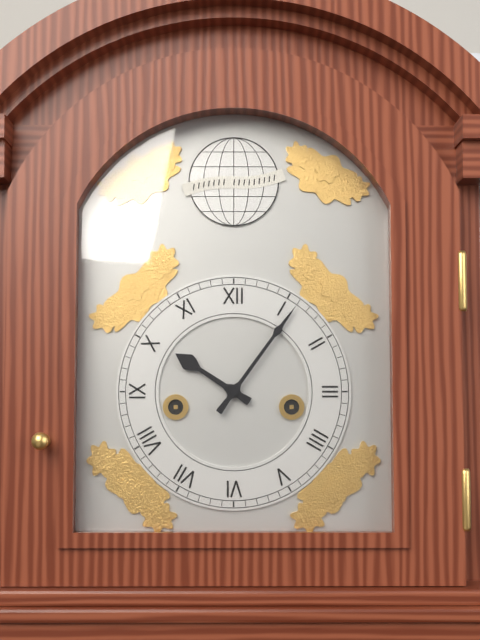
10:06
